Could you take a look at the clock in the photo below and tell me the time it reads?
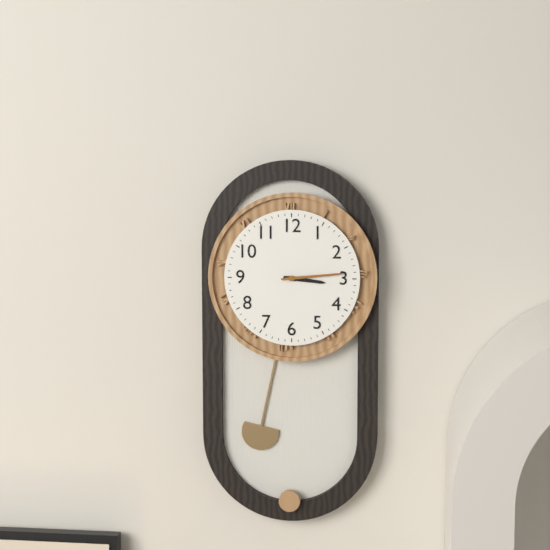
3:14
